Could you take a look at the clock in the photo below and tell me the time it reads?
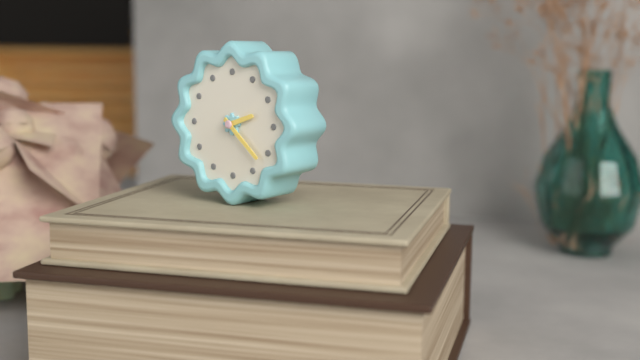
2:22
